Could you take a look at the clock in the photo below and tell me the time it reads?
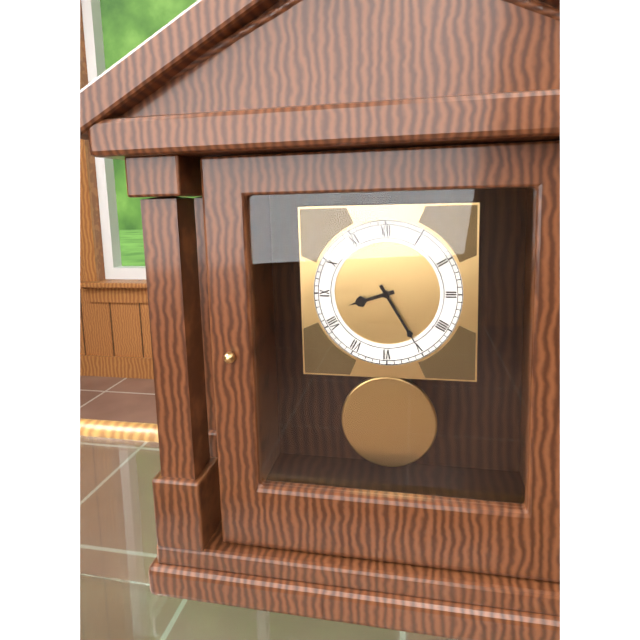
8:25
